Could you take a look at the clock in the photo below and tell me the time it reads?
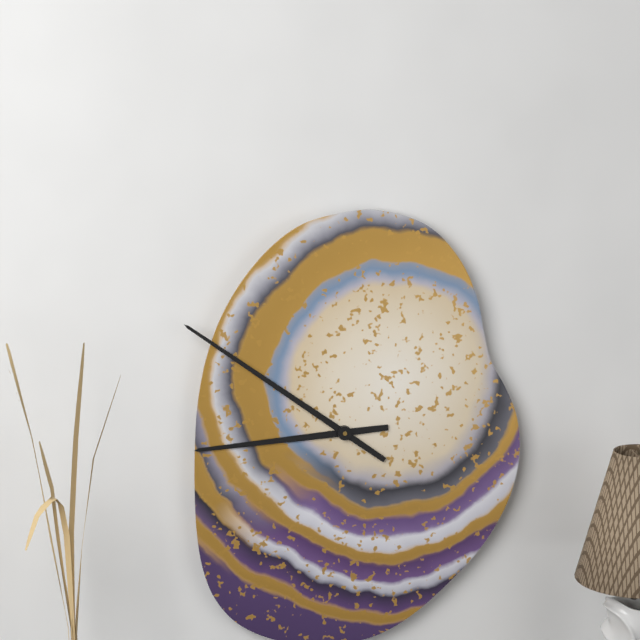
8:51
